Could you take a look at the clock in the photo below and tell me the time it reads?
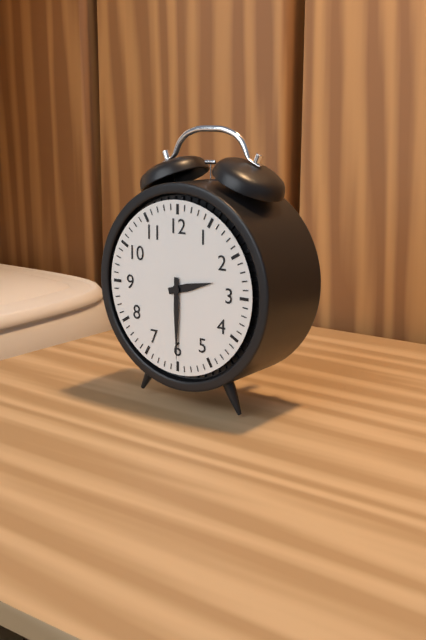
2:30
